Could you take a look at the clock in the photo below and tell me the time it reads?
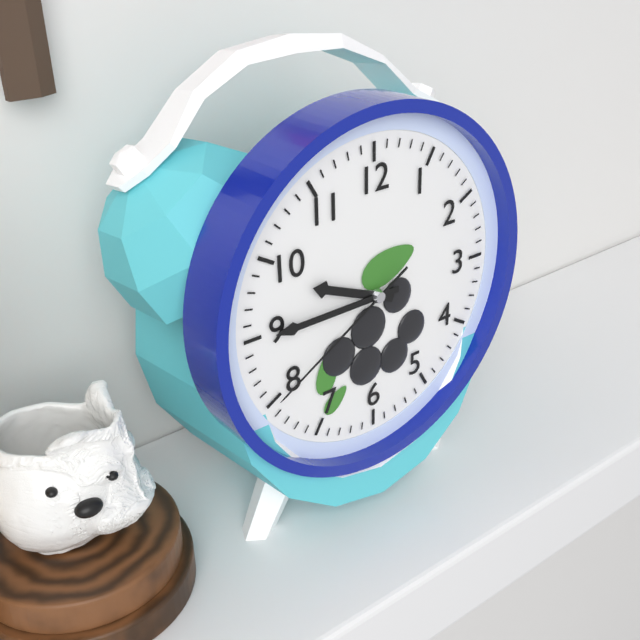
9:45:40
